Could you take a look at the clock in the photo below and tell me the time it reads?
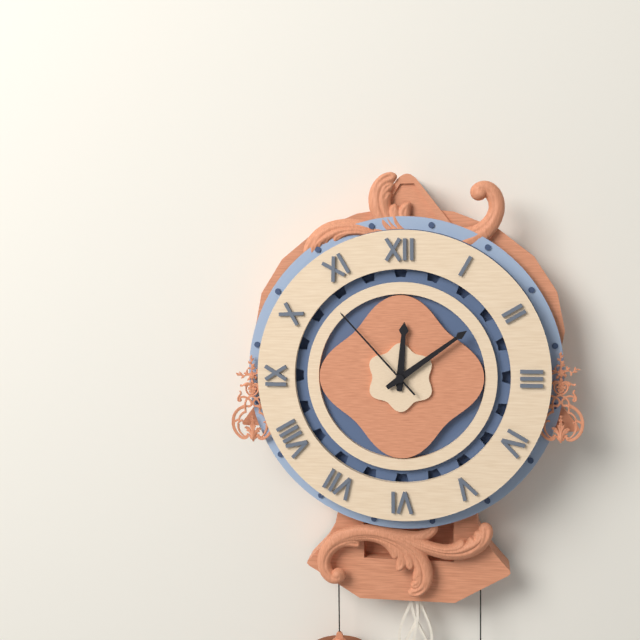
12:09:53
